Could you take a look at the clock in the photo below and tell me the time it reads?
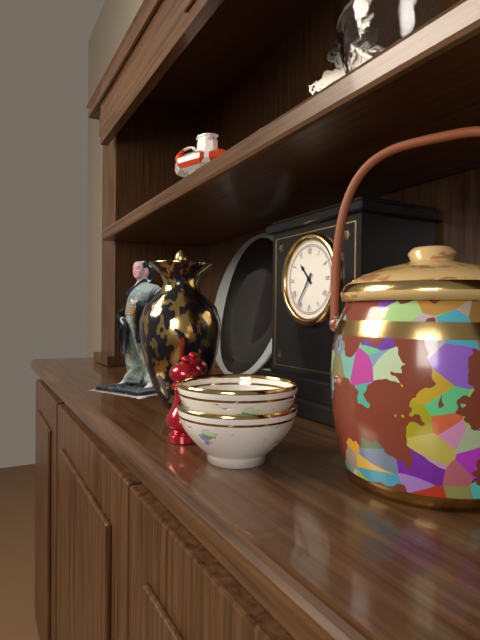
10:36
